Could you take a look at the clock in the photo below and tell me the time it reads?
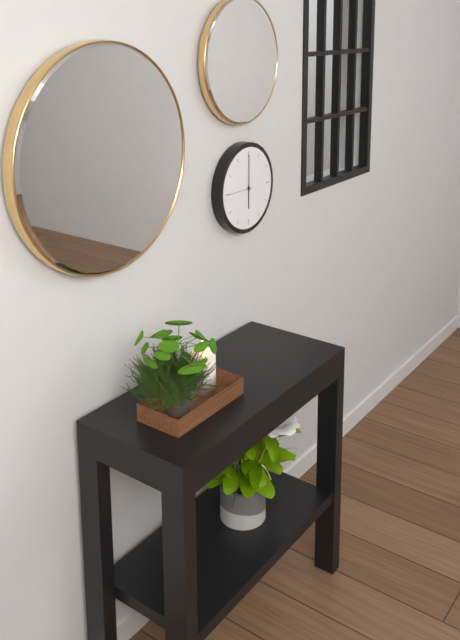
6:00
